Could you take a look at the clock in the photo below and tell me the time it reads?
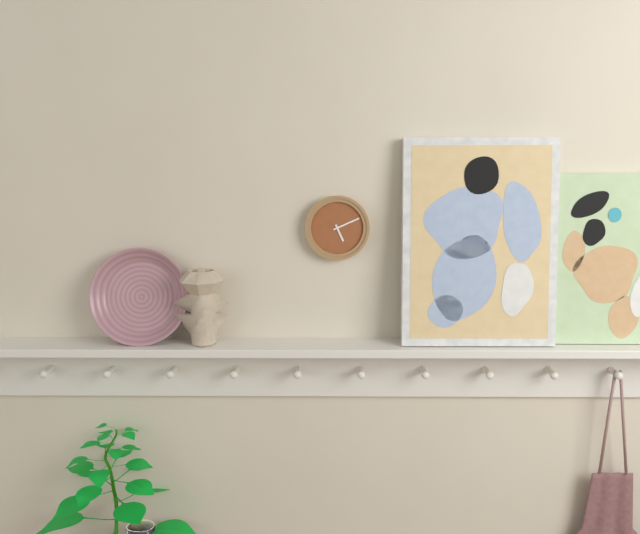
5:11
